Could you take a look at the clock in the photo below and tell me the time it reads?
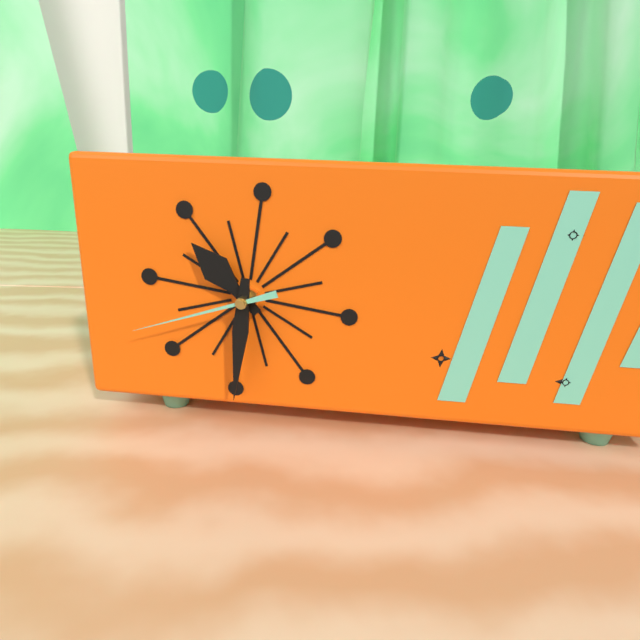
10:31:42
